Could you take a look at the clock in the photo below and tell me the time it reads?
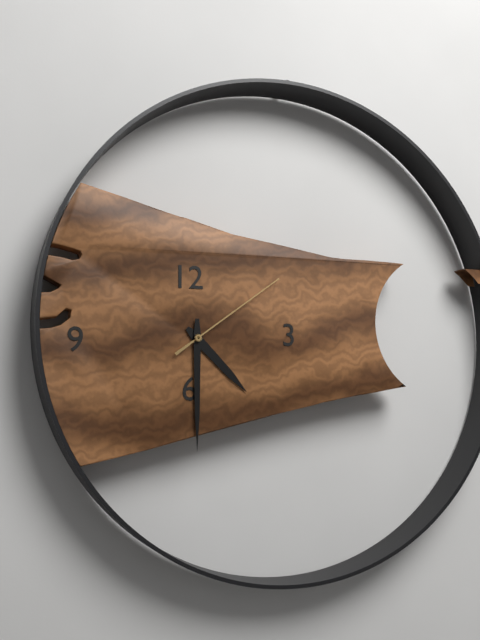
4:30:09
